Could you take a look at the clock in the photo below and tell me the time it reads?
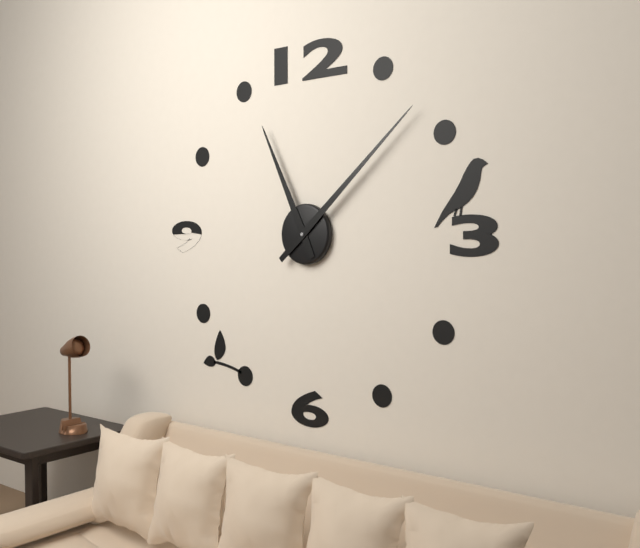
11:08
